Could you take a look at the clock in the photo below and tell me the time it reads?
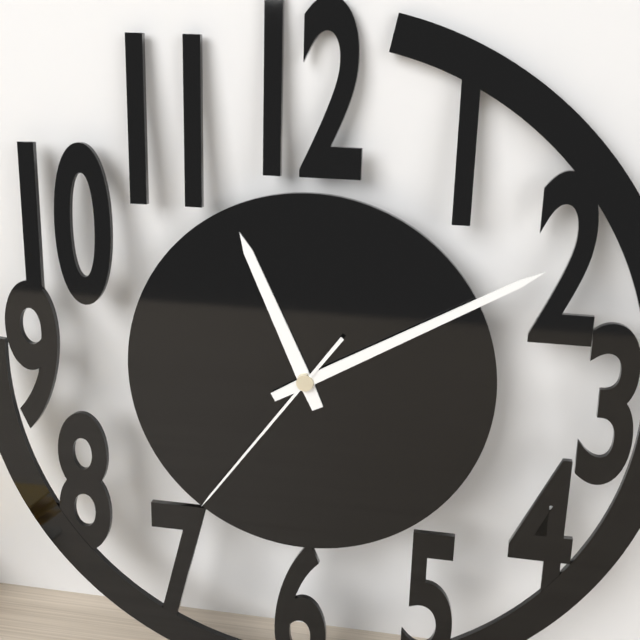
11:10:36
